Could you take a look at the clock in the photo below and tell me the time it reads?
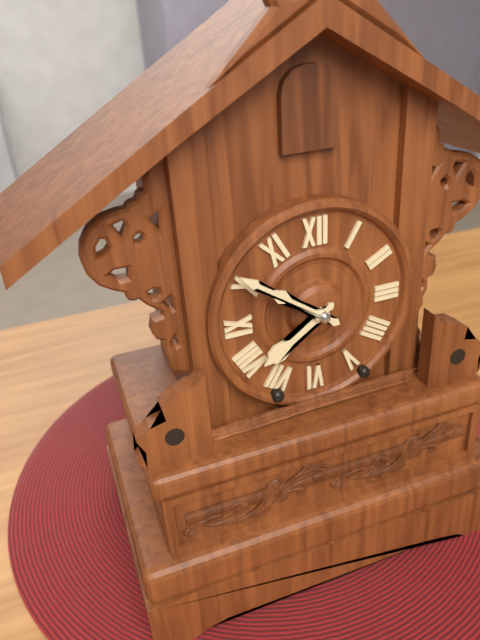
7:51
